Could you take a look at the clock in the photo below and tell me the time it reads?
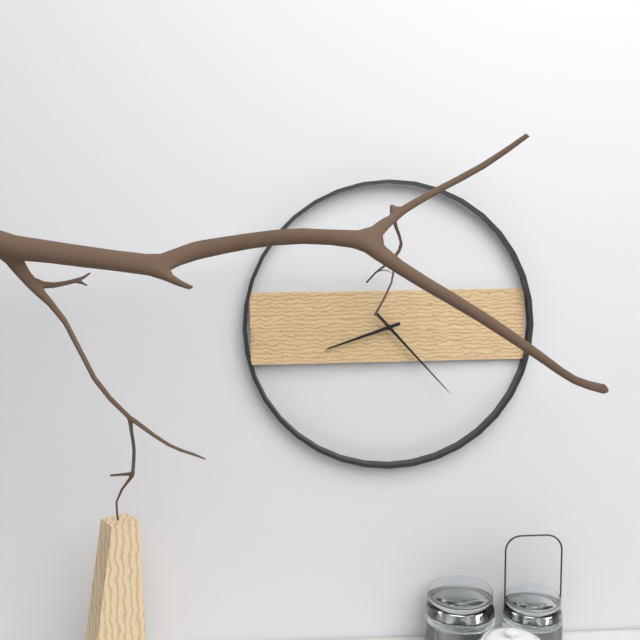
8:23
